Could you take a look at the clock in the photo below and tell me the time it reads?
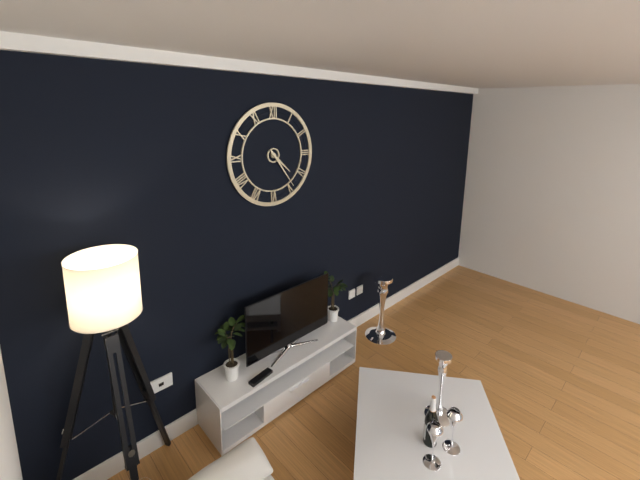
4:24
